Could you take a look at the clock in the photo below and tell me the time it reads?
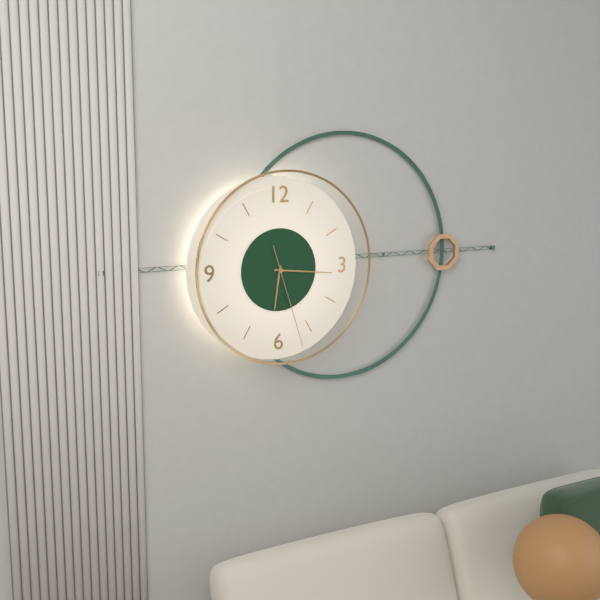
6:16:27
